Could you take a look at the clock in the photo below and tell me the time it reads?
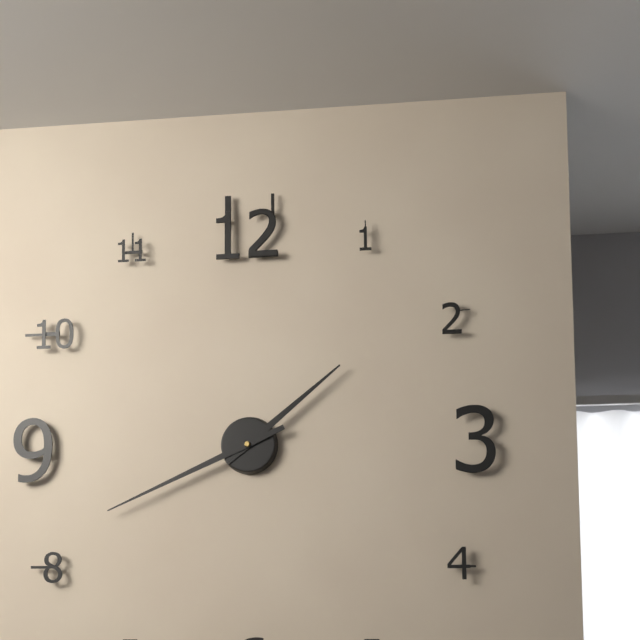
1:41
